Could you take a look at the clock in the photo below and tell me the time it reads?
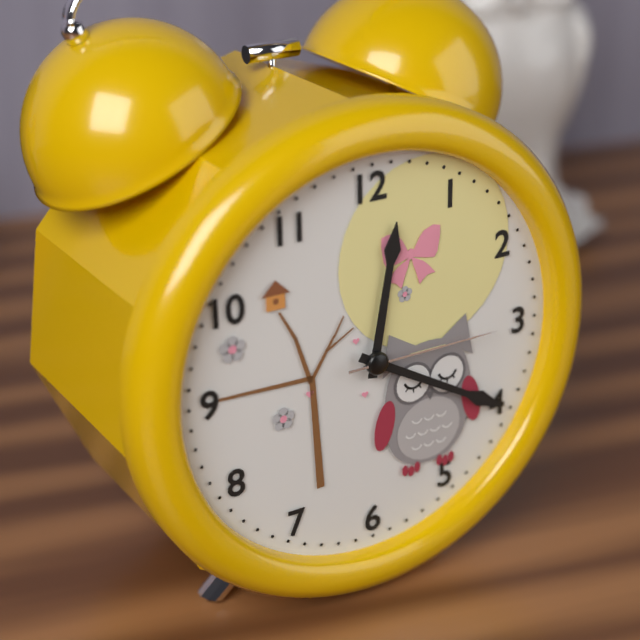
12:20:15
